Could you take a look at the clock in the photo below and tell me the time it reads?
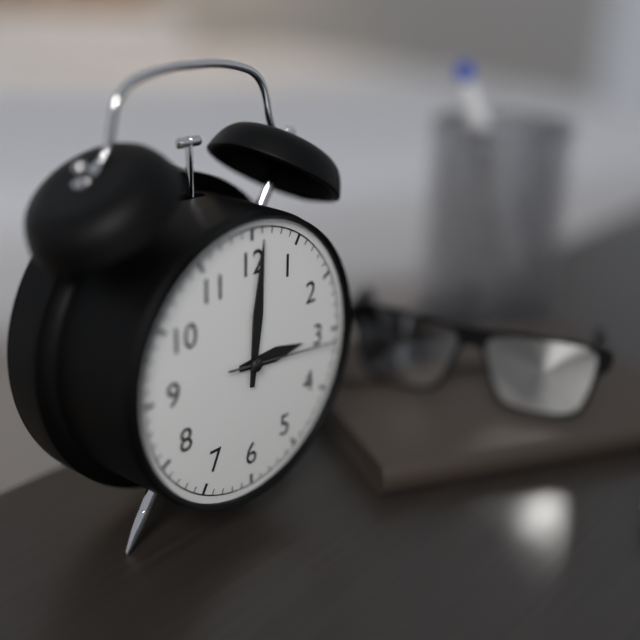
3:01:16
